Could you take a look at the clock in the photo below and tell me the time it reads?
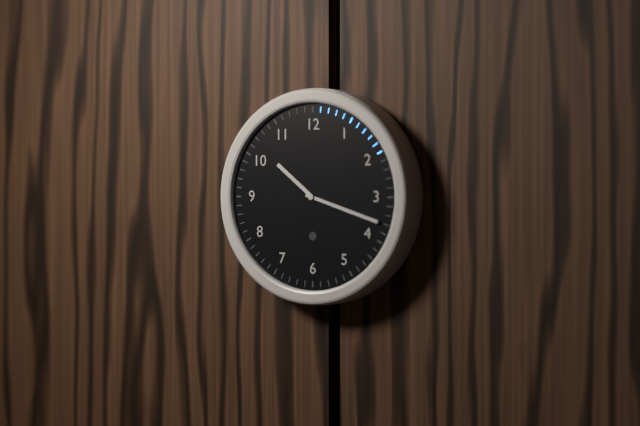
10:18
